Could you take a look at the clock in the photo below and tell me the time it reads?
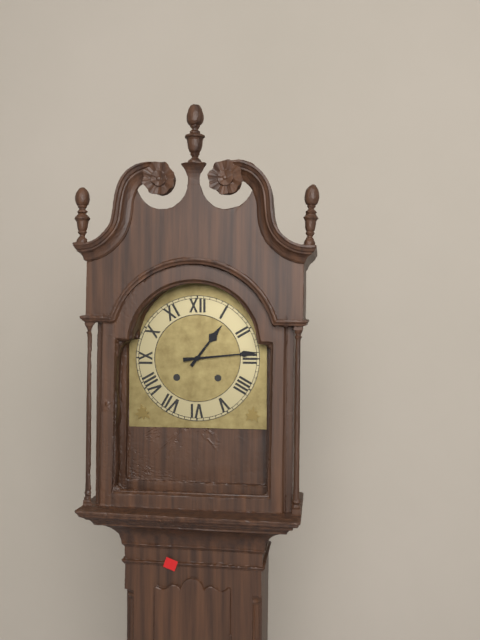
1:14
